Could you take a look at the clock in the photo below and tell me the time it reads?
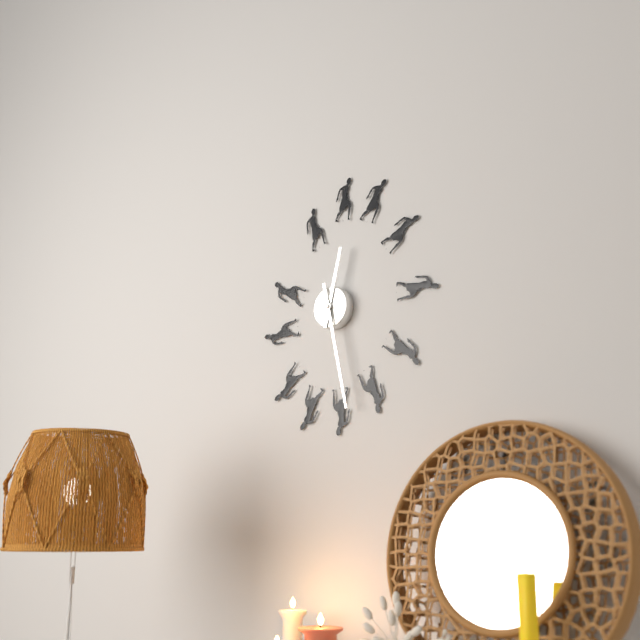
12:28
